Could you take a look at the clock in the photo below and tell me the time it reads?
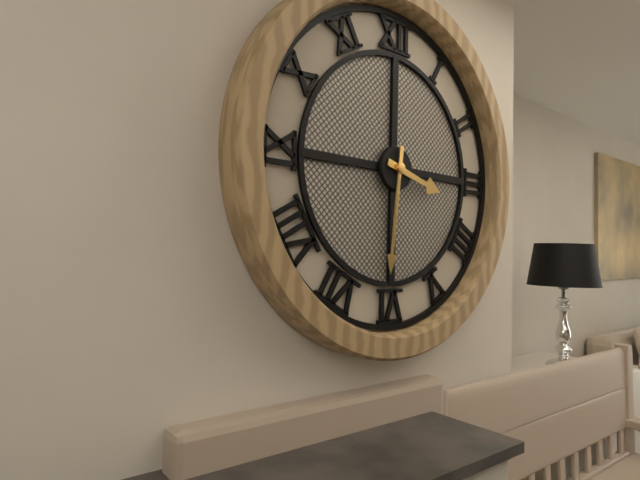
3:31
